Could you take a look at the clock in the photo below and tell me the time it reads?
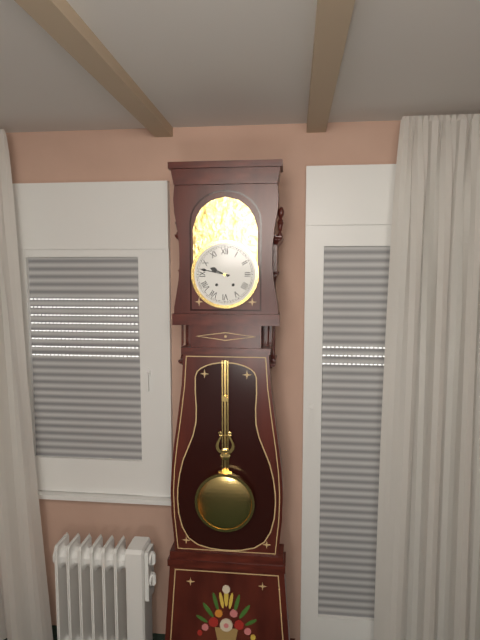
9:47
